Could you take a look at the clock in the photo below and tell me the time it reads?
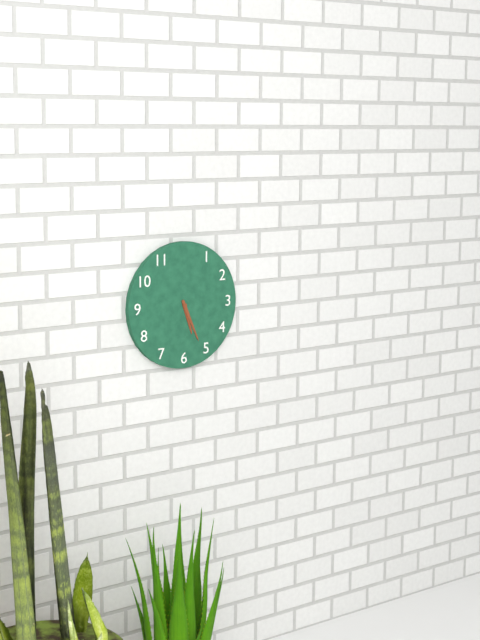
5:26
